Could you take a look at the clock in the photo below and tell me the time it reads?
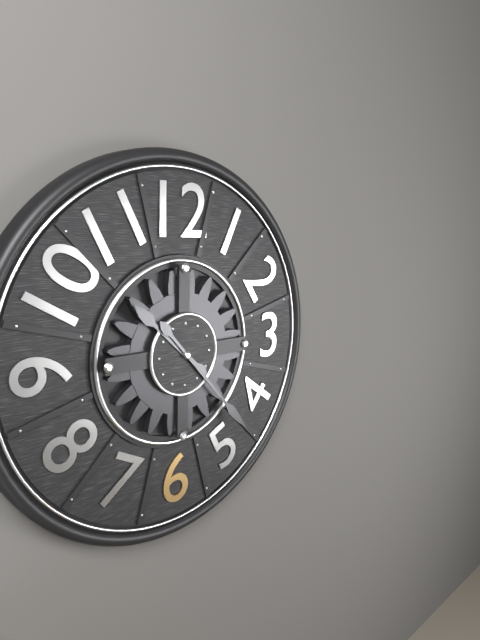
10:23
